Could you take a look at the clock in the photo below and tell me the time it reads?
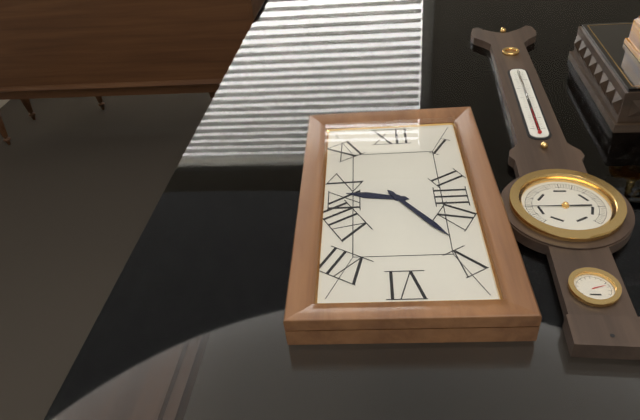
9:24
